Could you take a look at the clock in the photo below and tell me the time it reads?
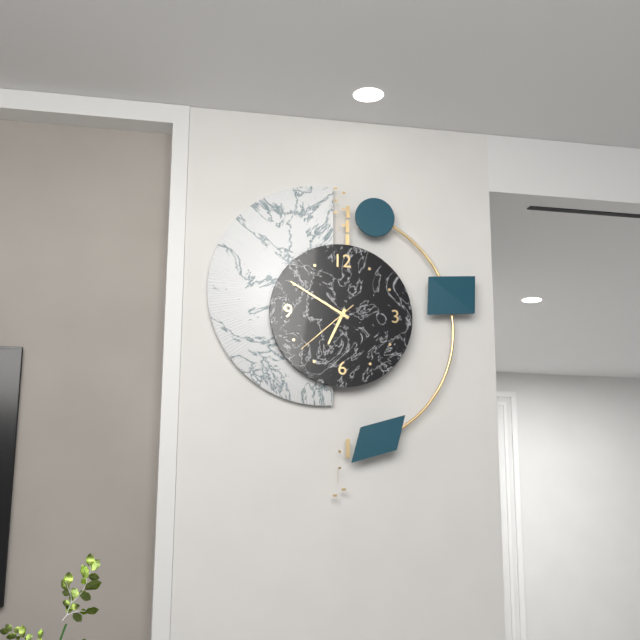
6:50:38
